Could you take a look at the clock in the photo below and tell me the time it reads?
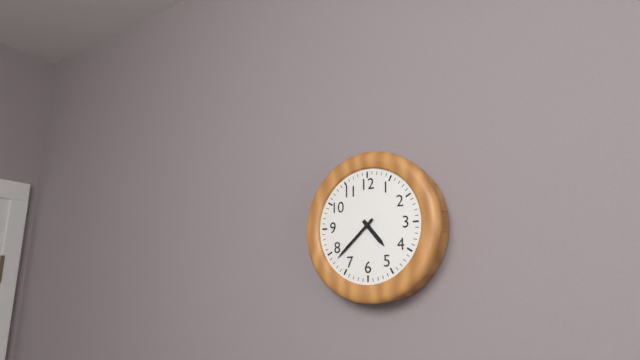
4:38
